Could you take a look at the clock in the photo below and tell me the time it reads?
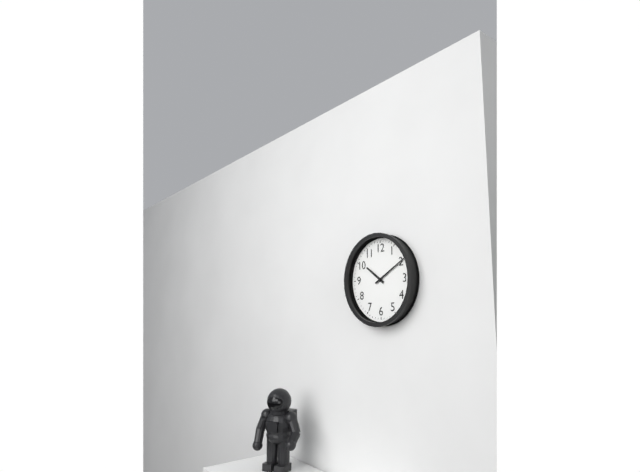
10:10
